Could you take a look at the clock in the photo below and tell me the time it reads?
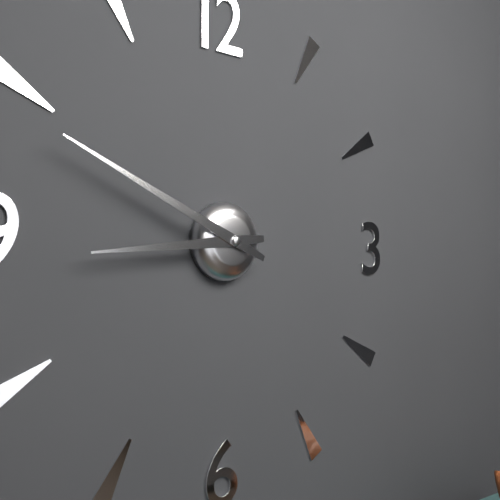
8:49
